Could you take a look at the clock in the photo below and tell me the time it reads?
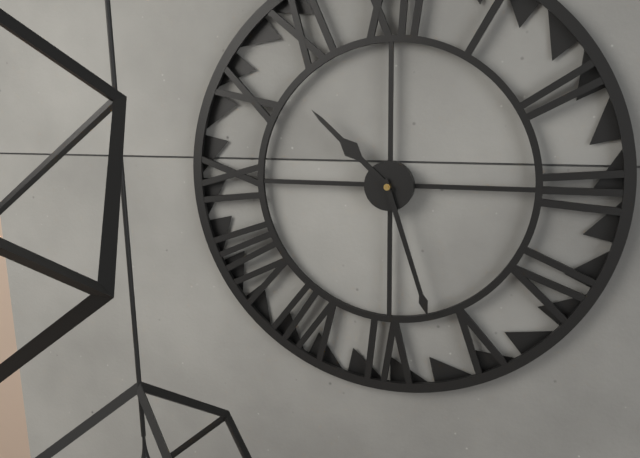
10:27
